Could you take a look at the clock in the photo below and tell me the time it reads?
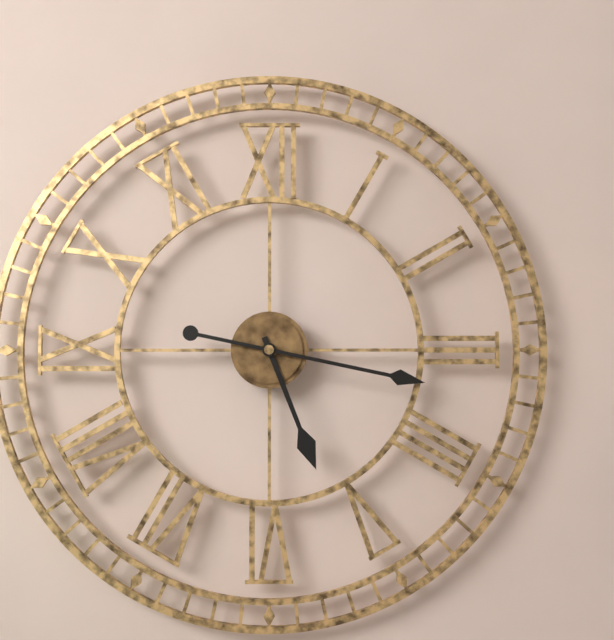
5:17
